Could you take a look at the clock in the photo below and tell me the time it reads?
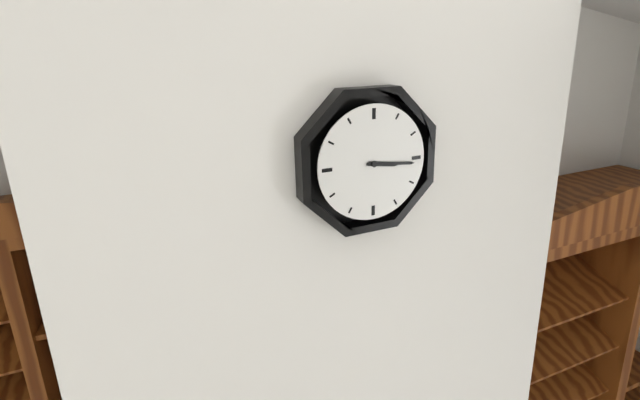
3:16
